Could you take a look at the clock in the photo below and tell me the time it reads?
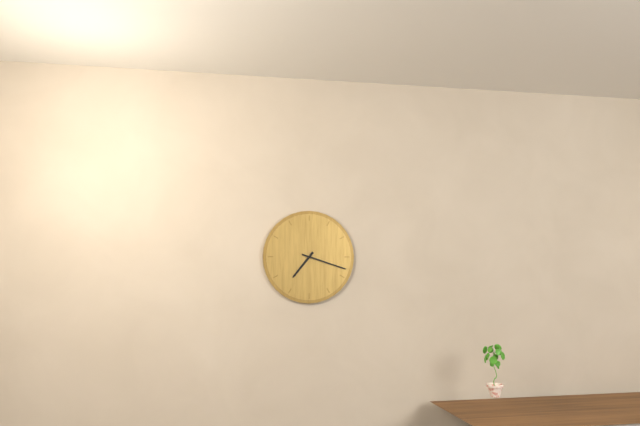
7:18
